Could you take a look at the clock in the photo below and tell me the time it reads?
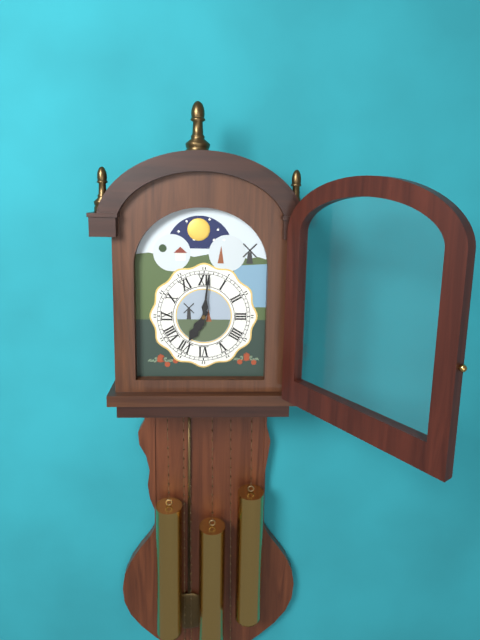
7:01
